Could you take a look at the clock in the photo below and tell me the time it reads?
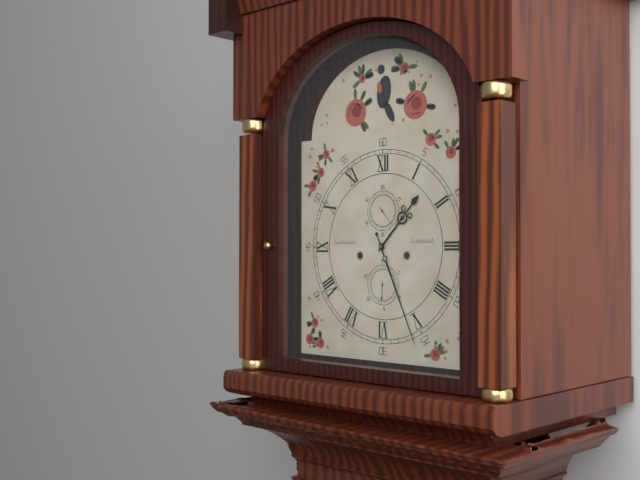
1:26
